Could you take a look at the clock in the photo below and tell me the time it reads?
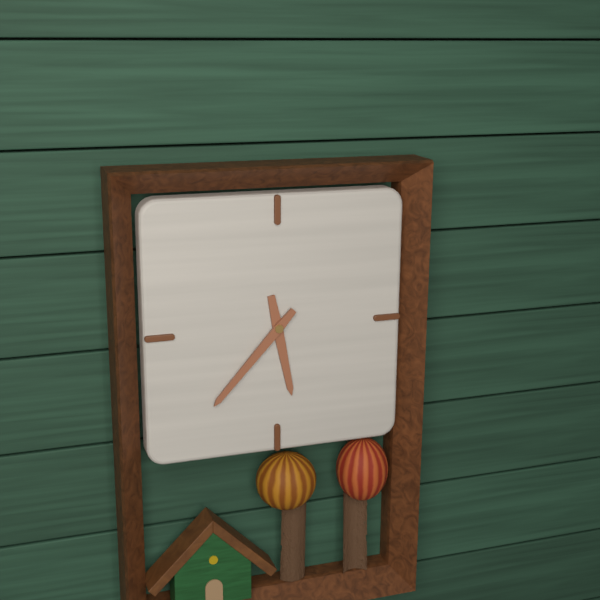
5:37
